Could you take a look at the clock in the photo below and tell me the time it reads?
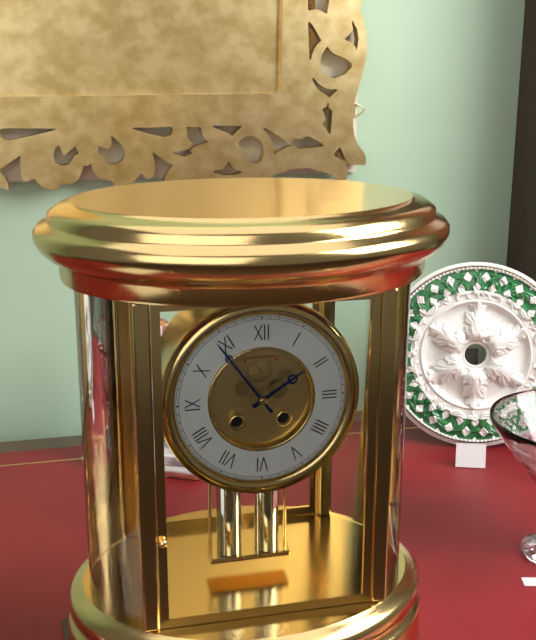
1:54
